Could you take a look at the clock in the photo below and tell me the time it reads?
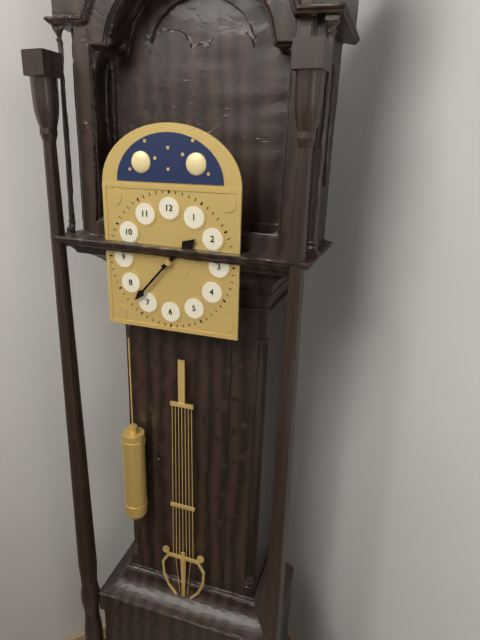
1:37
